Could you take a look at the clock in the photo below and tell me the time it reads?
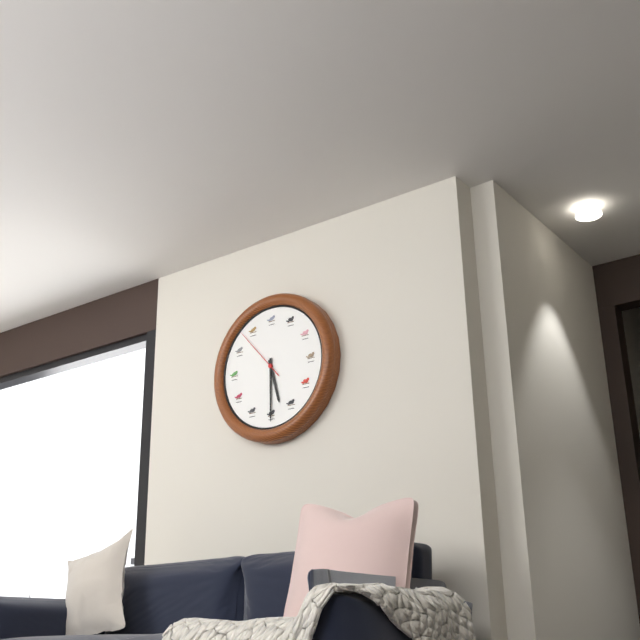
5:30:53
